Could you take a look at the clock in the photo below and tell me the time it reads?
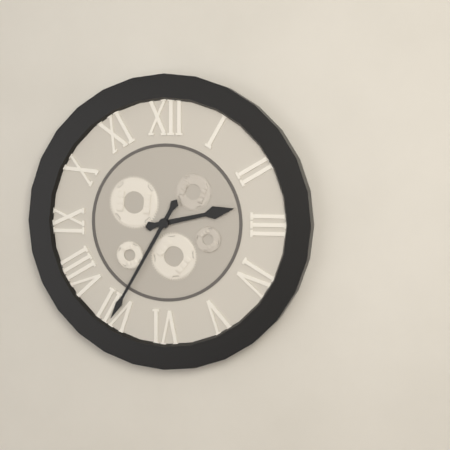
2:35
